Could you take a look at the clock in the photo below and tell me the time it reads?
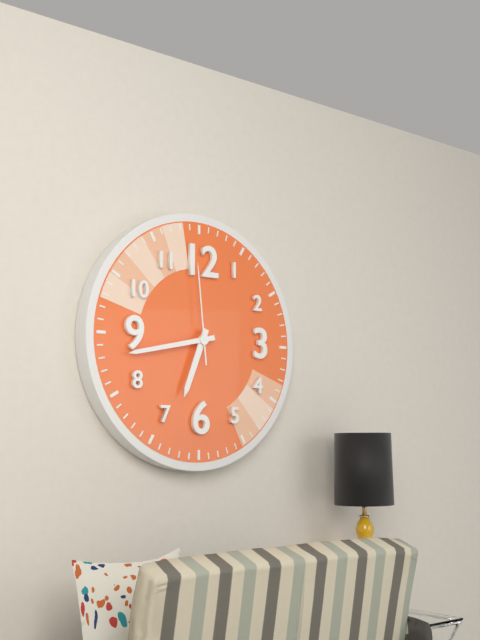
6:43:59
